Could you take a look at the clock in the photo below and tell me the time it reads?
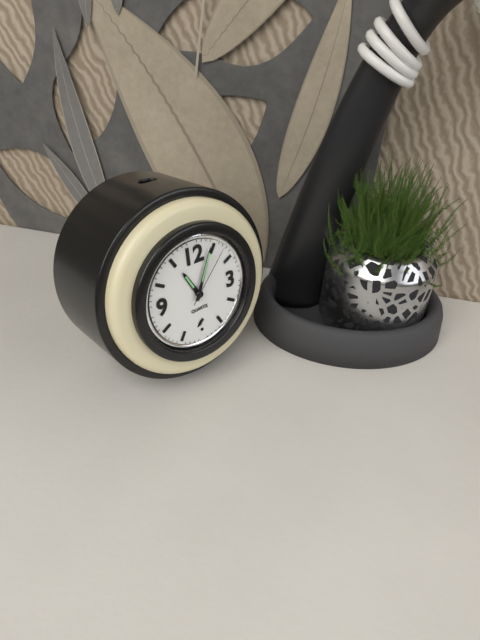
11:04:07
